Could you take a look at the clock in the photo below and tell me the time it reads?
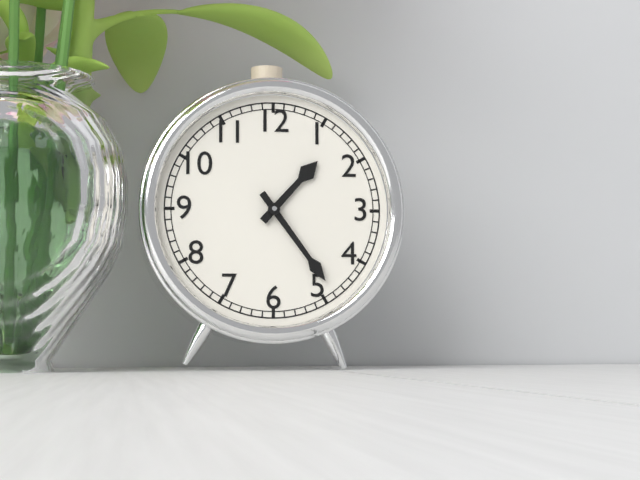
1:24
